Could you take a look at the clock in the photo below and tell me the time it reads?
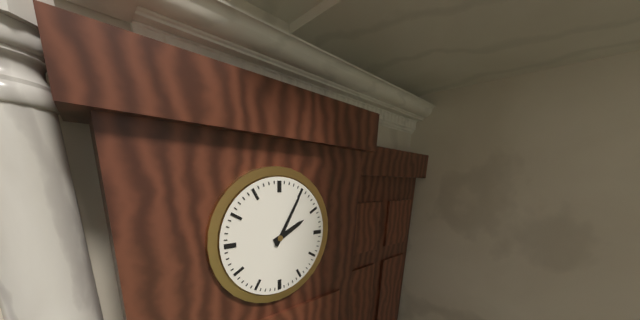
2:05
